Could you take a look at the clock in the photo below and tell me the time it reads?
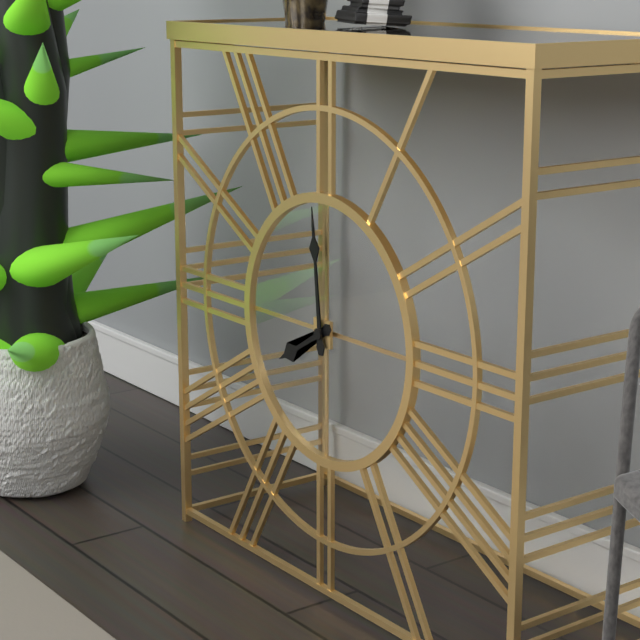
7:59
